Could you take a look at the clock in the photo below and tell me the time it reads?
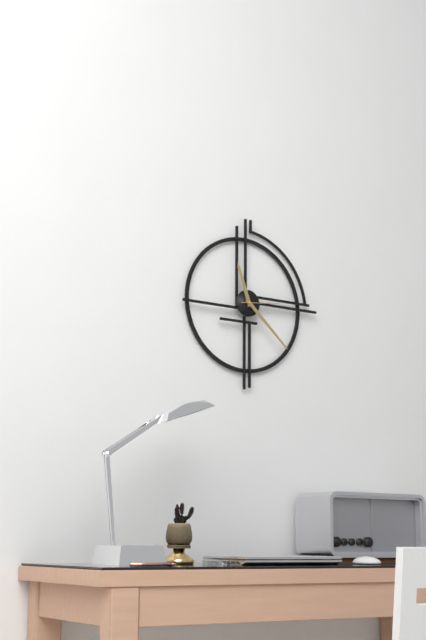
11:22
